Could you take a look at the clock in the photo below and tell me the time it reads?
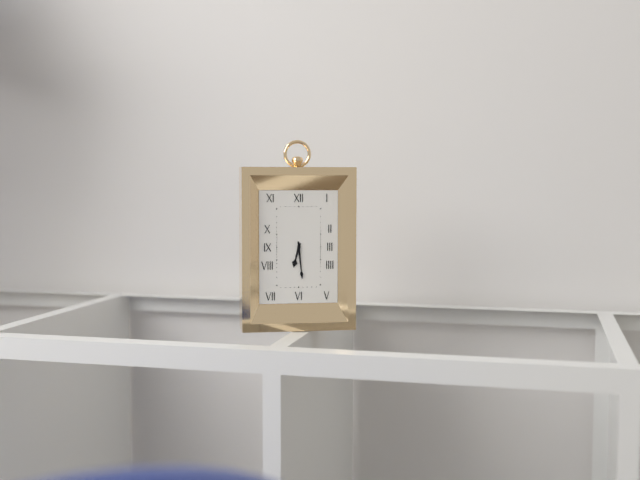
6:29
